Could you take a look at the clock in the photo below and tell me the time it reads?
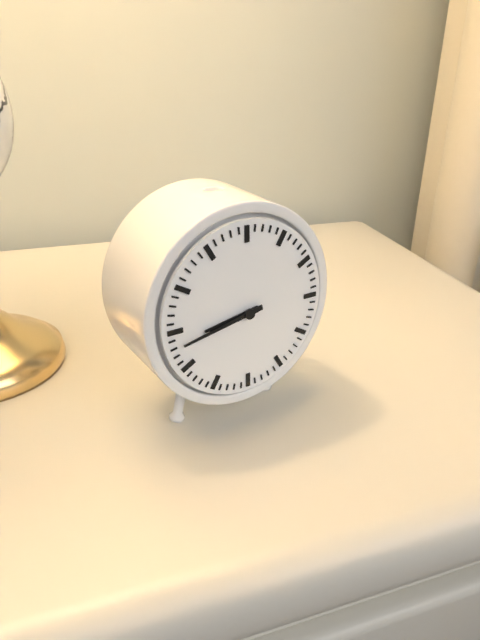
8:43
